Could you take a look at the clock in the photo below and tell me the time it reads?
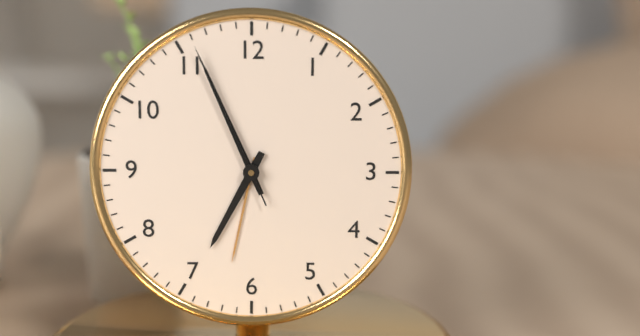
6:56:56
